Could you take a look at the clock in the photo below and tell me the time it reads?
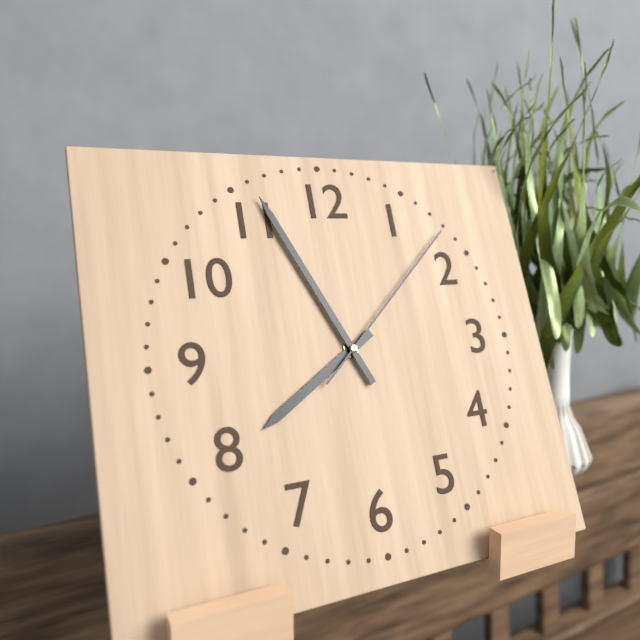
7:56:08
